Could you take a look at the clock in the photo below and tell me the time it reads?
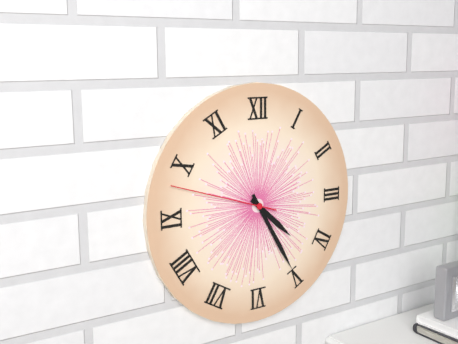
4:25:48
